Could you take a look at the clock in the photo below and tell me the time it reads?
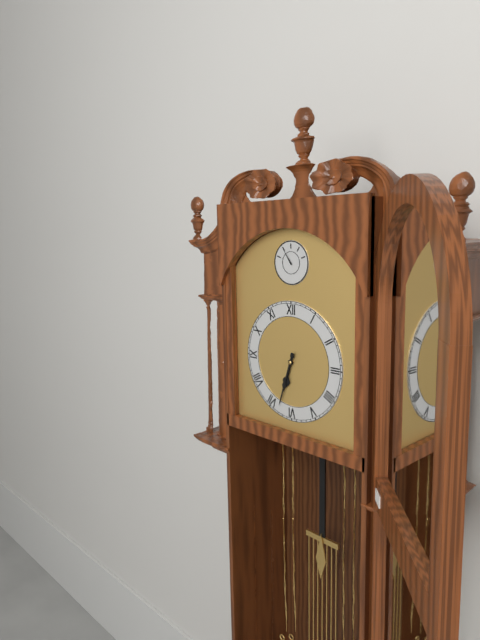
6:33
